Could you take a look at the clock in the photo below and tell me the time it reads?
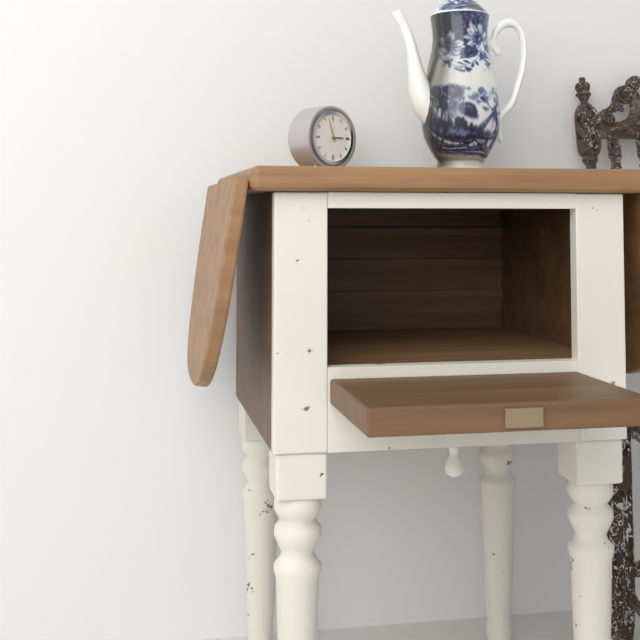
2:57
